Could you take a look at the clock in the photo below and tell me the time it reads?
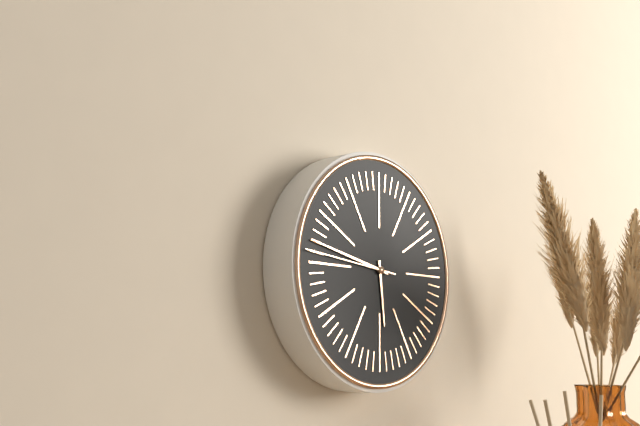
5:47:46
